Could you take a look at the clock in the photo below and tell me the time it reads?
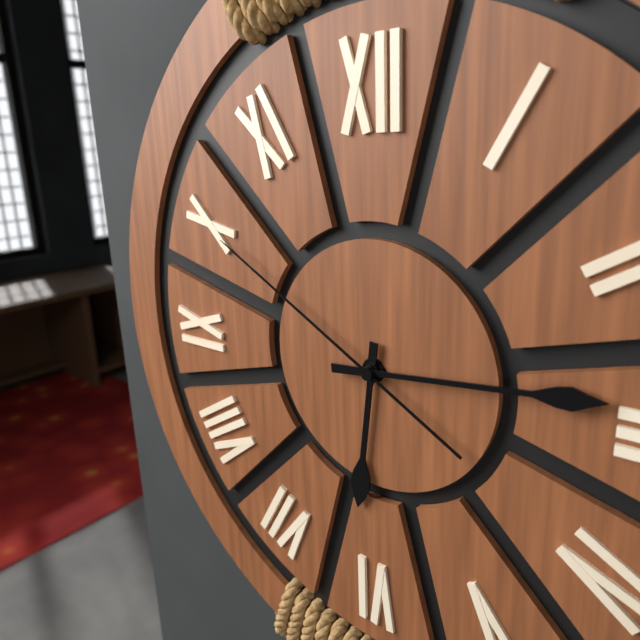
6:14:50
